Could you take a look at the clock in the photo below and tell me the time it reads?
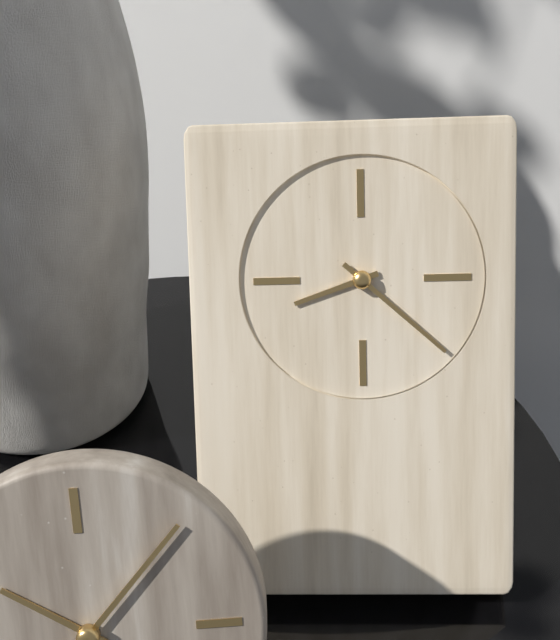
8:22
